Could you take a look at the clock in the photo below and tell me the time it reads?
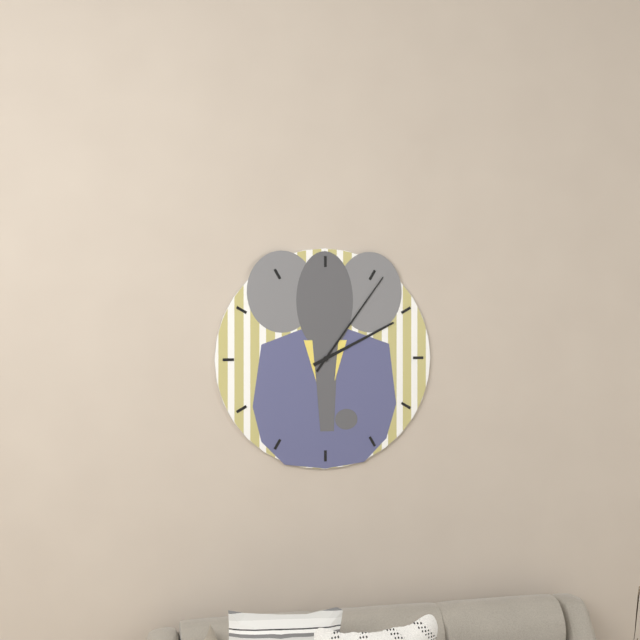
2:06
